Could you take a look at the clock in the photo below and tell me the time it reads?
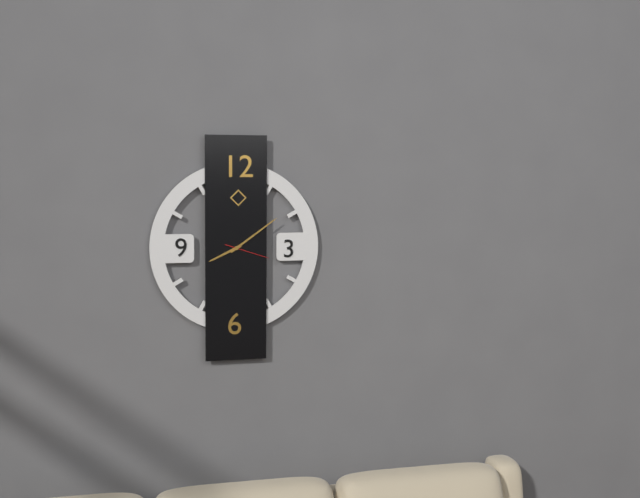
8:09
